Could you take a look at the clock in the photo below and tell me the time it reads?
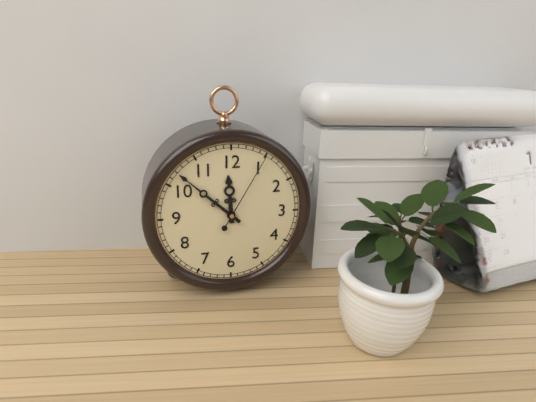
11:52:05
